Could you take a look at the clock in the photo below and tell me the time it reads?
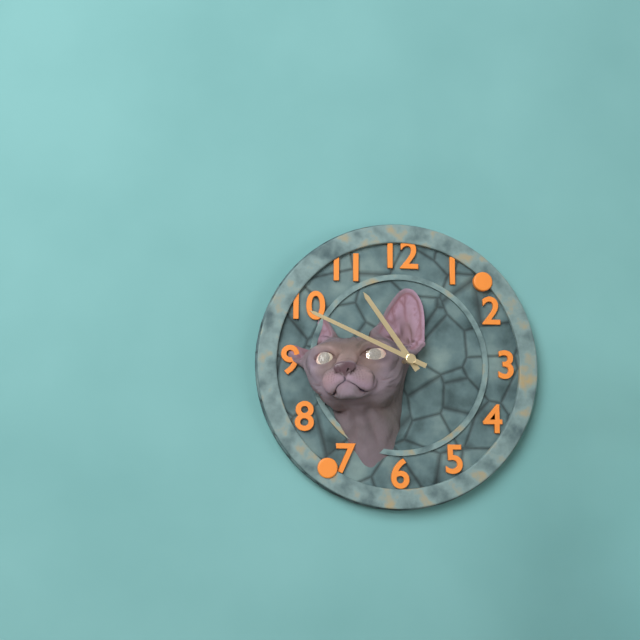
10:49
